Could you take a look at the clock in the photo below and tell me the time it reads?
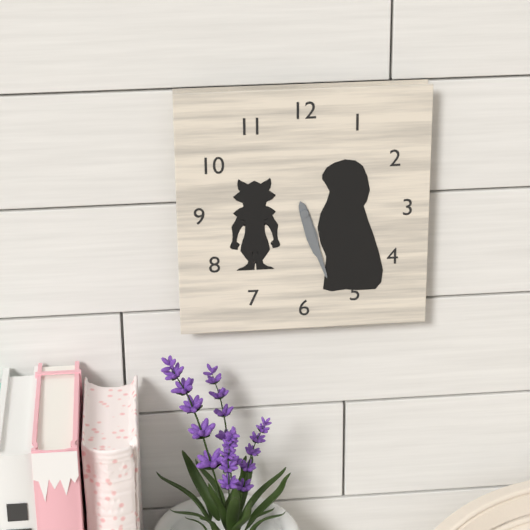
5:27
